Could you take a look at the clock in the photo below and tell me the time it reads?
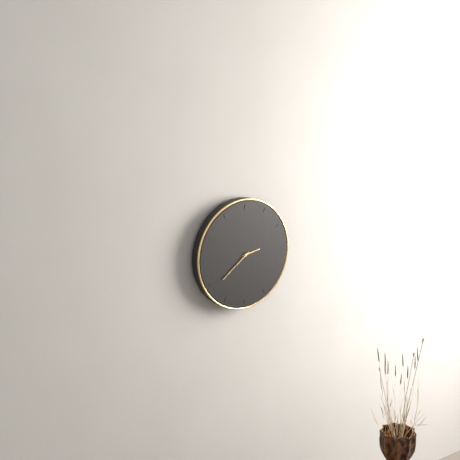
2:39
